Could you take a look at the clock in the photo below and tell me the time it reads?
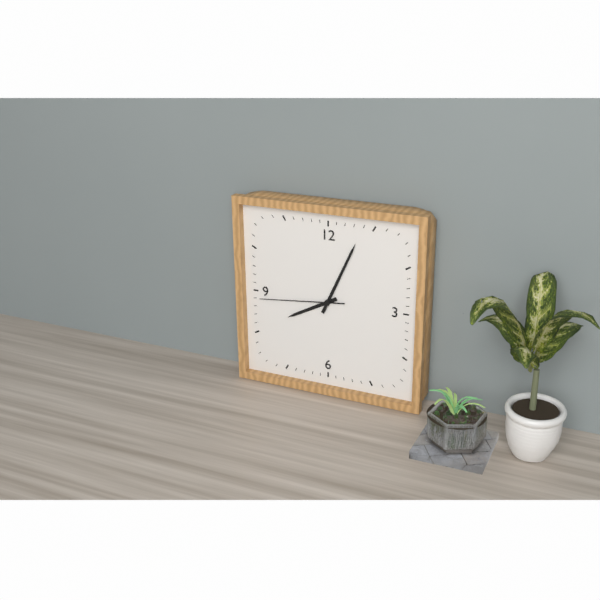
8:04:44
